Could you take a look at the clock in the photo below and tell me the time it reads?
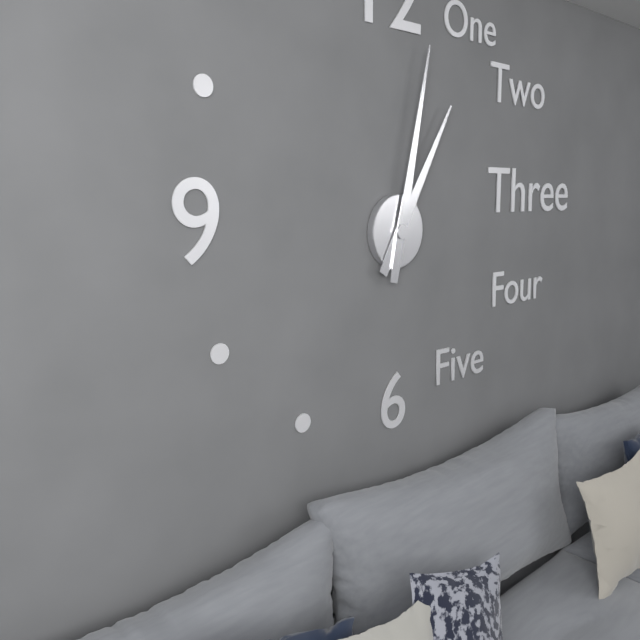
1:02
